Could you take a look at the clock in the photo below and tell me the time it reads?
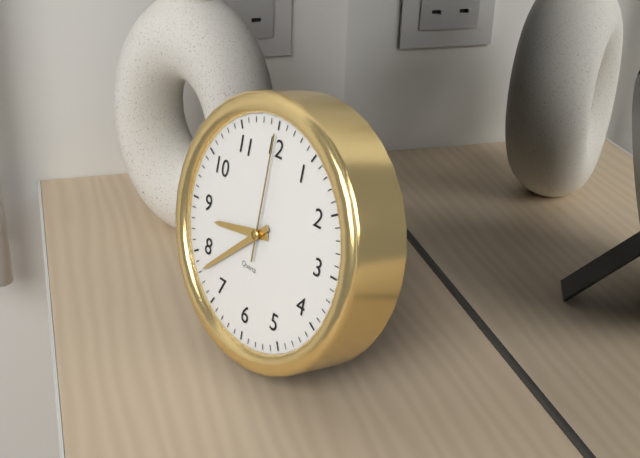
8:38:00
